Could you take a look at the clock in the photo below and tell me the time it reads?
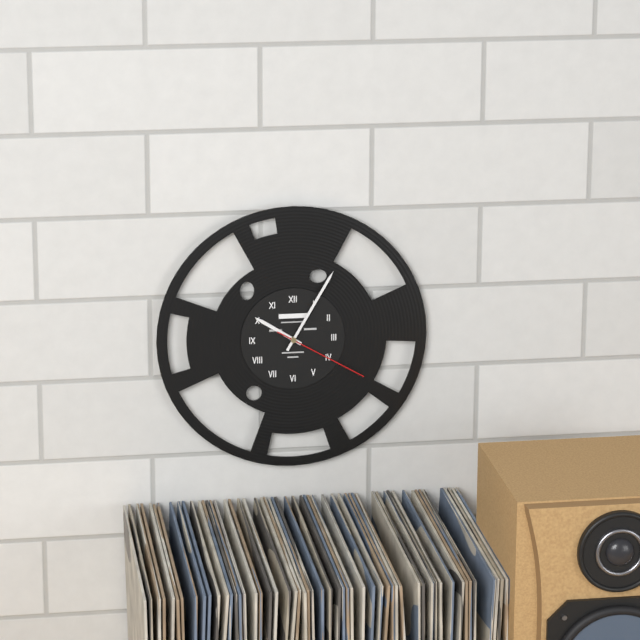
10:05:20
